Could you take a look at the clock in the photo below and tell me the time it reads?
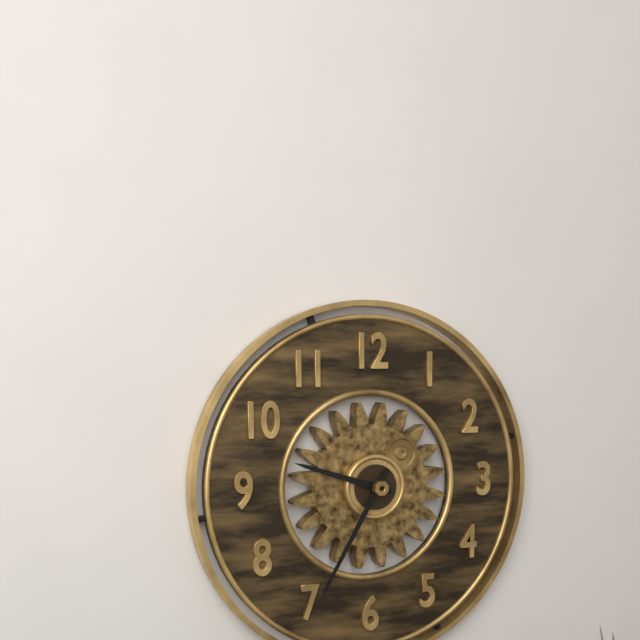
9:35
